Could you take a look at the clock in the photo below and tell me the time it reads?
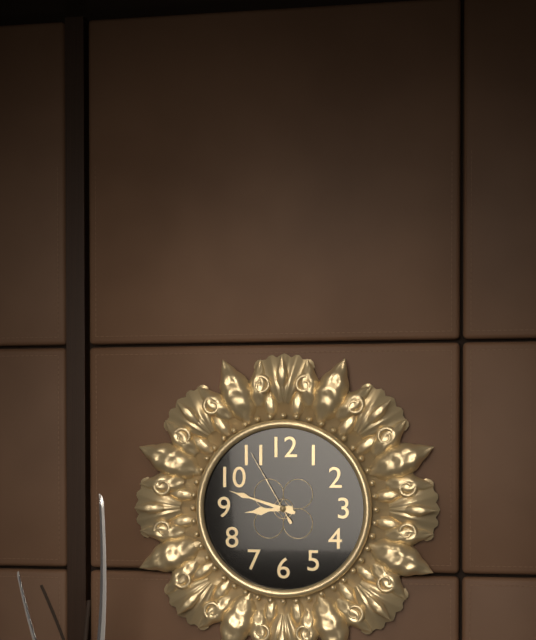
8:48:55
